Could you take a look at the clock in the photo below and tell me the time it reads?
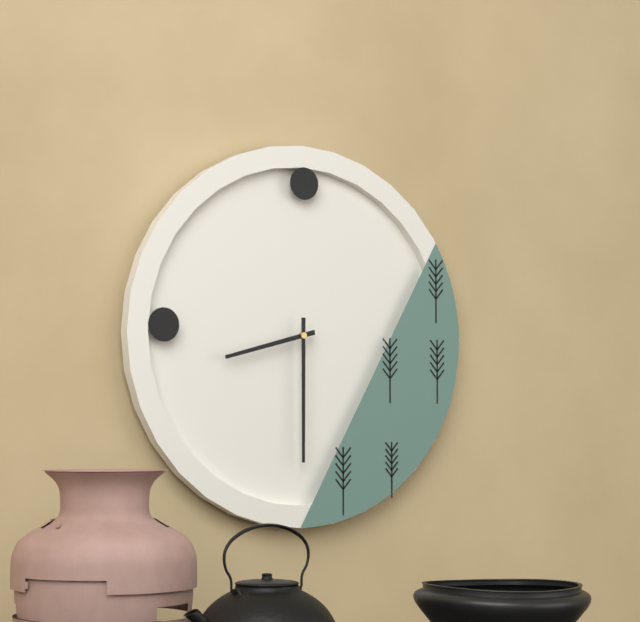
8:30
